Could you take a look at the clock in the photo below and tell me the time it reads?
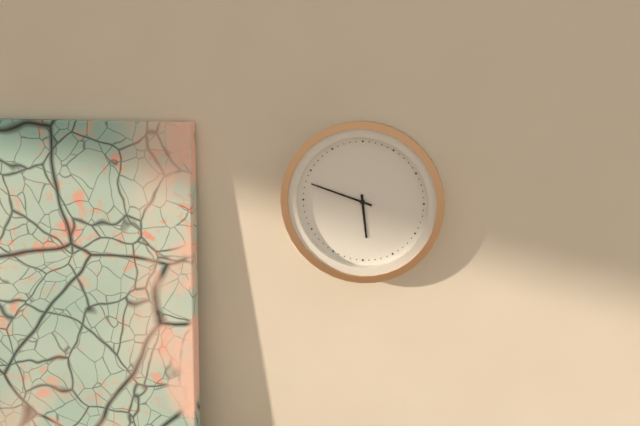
5:48
